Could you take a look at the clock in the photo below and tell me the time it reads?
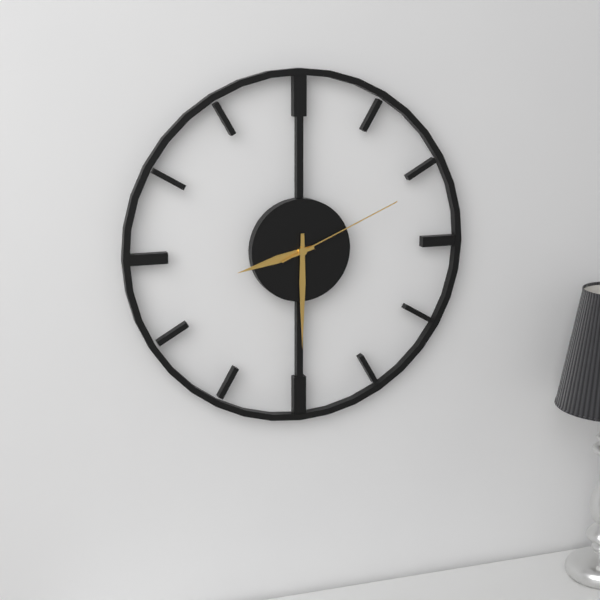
8:30:11
